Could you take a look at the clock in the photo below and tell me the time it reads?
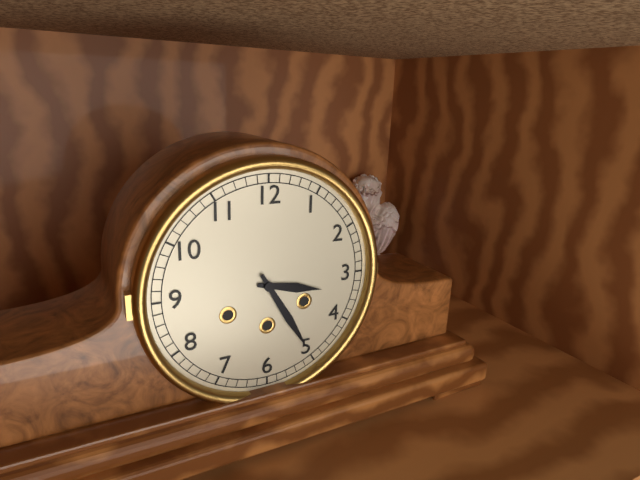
3:25
